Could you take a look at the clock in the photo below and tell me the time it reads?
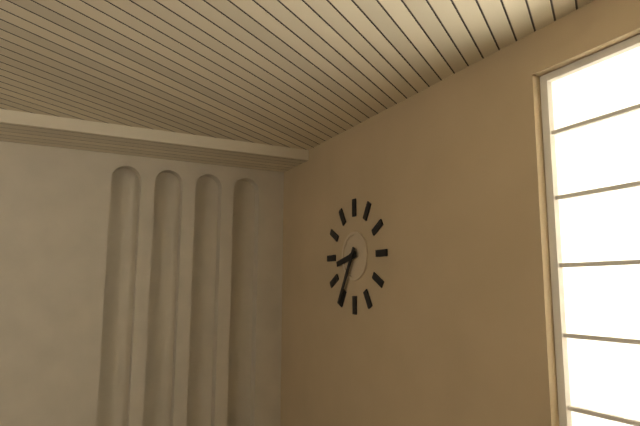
8:35
